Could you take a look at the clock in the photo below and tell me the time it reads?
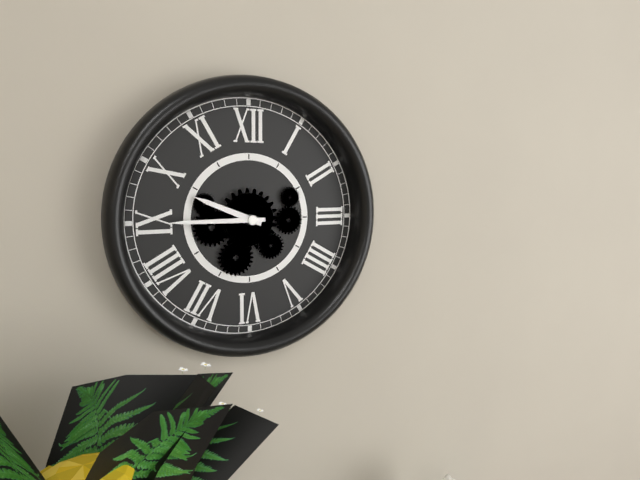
9:45
